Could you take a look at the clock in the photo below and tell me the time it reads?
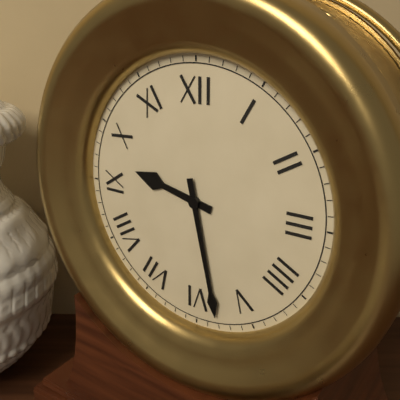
9:28
